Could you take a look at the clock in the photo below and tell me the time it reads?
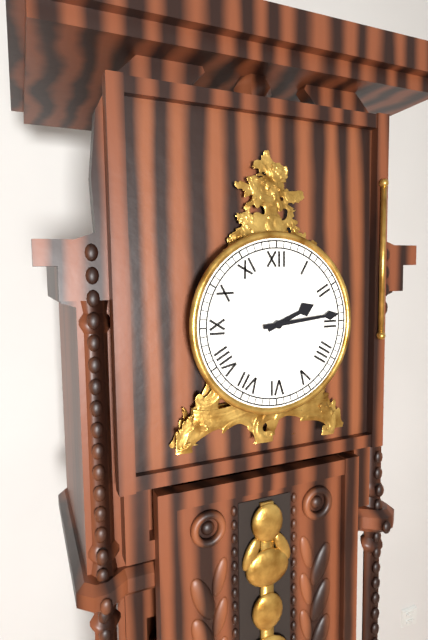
2:14
